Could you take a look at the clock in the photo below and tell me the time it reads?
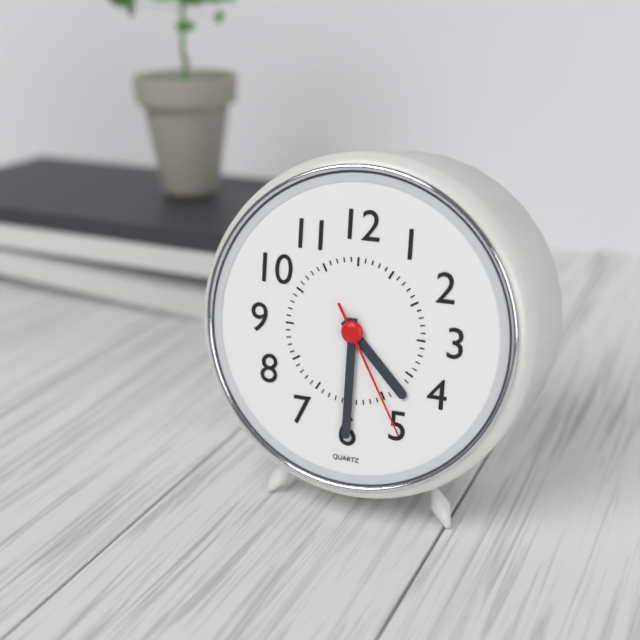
4:30:25
